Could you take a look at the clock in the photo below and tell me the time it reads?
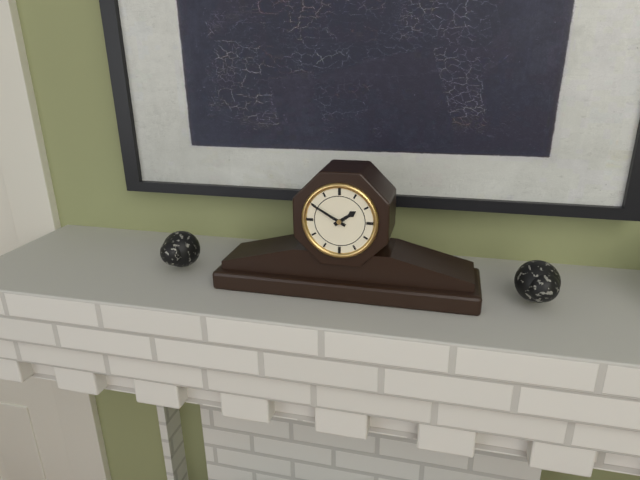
1:50
